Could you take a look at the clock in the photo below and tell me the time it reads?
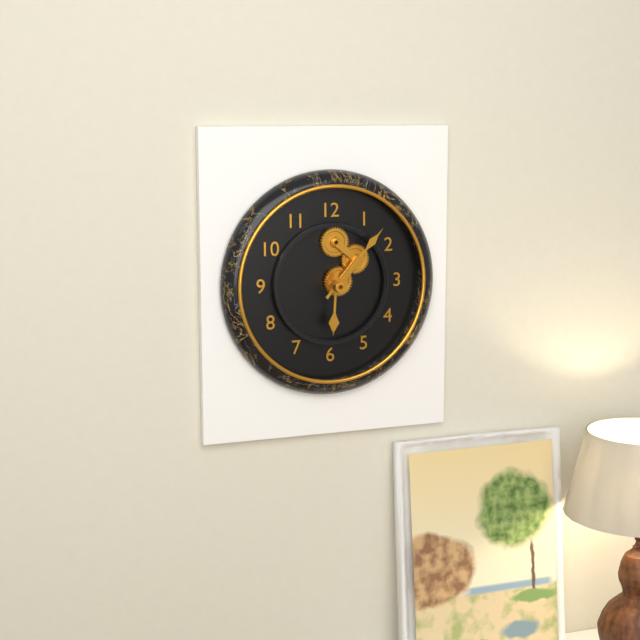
6:07
